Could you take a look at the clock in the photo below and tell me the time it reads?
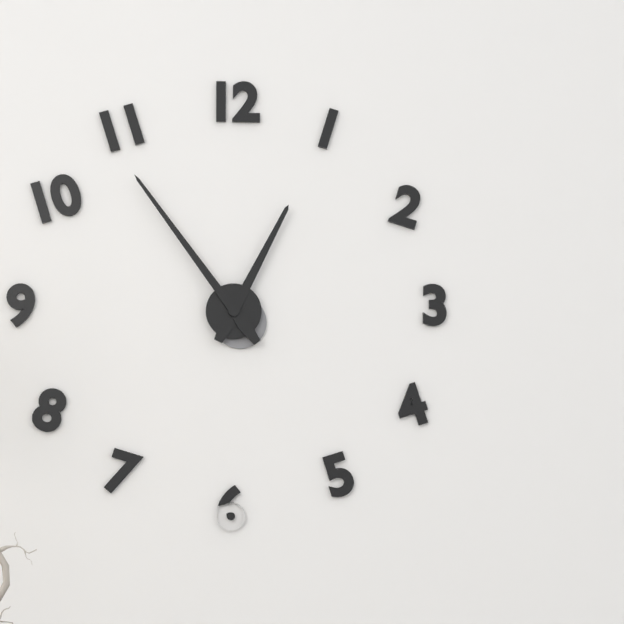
12:54
